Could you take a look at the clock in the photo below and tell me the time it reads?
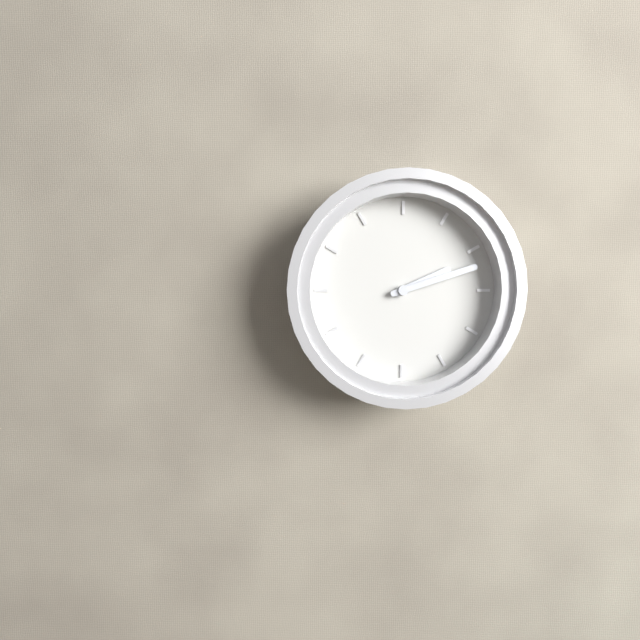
2:12
